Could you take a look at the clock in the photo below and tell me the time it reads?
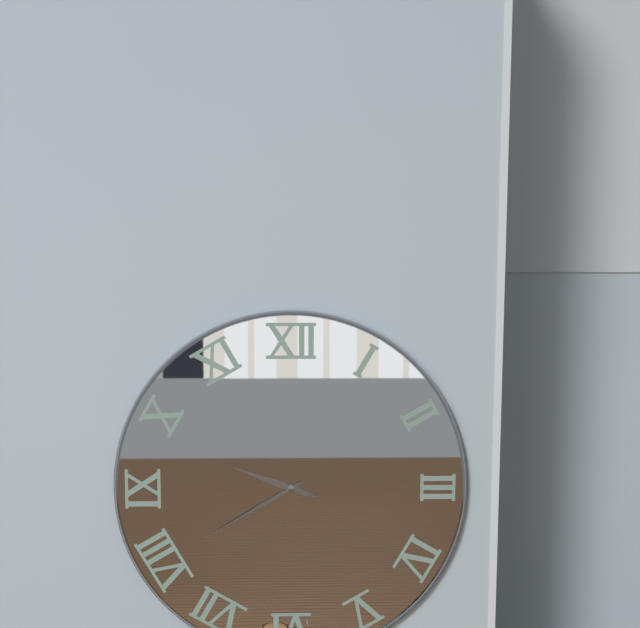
9:40
